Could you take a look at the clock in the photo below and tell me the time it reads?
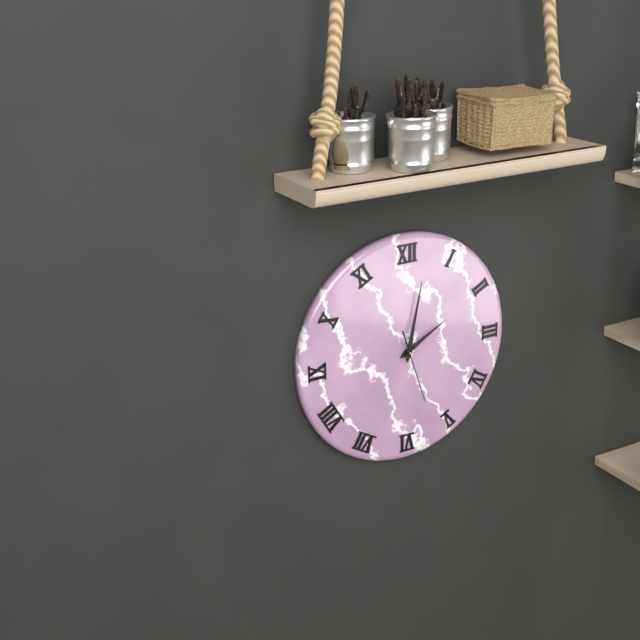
2:02:27
